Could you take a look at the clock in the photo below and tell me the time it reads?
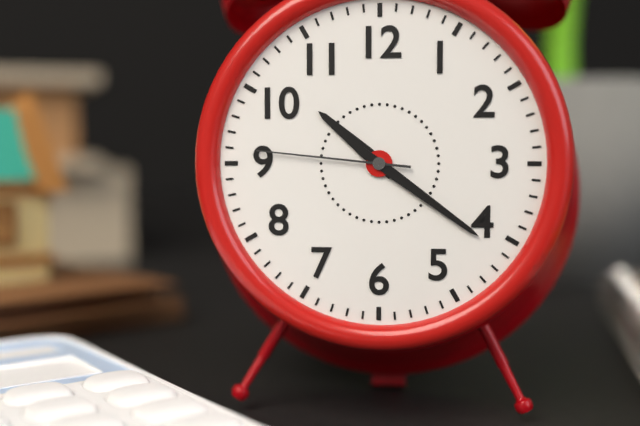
10:21:46
